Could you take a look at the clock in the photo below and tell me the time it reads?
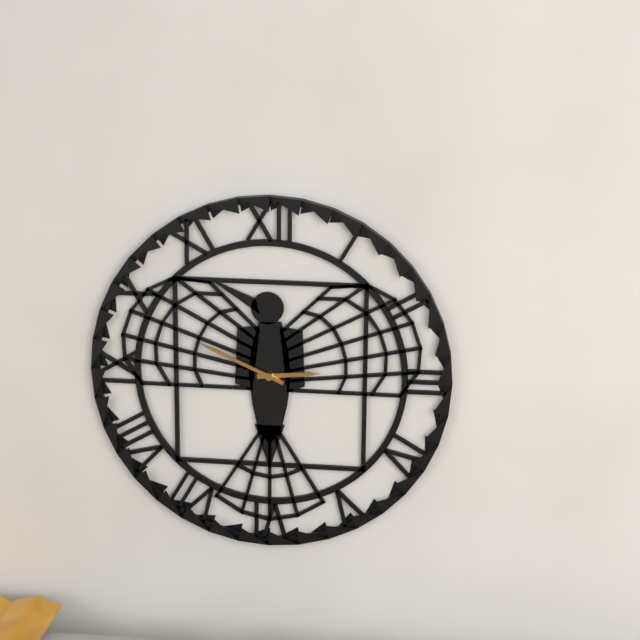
2:49
